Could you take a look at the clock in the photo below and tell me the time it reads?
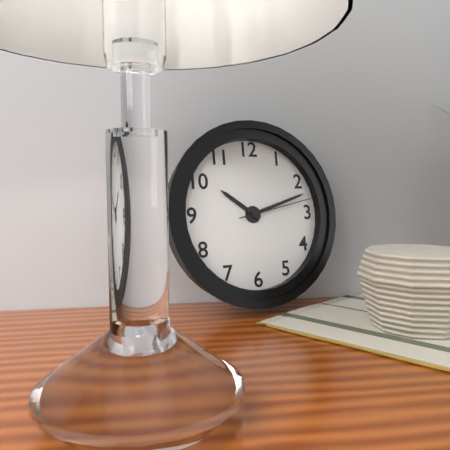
10:12:13
